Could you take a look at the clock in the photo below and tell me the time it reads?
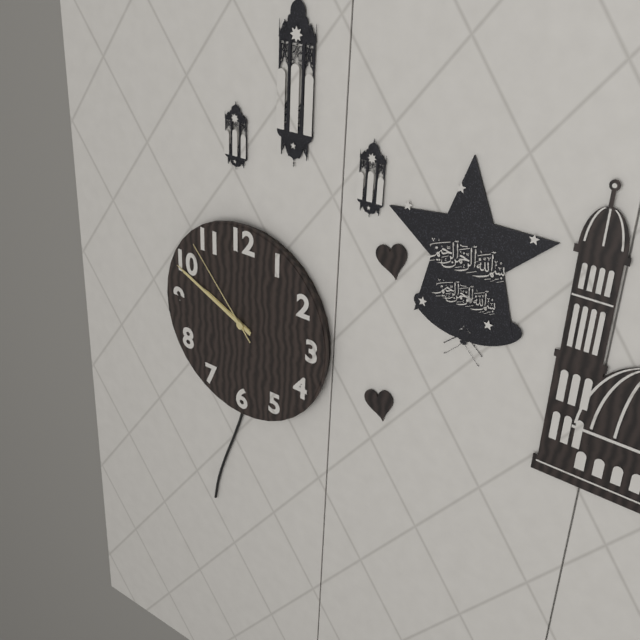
9:49:53
